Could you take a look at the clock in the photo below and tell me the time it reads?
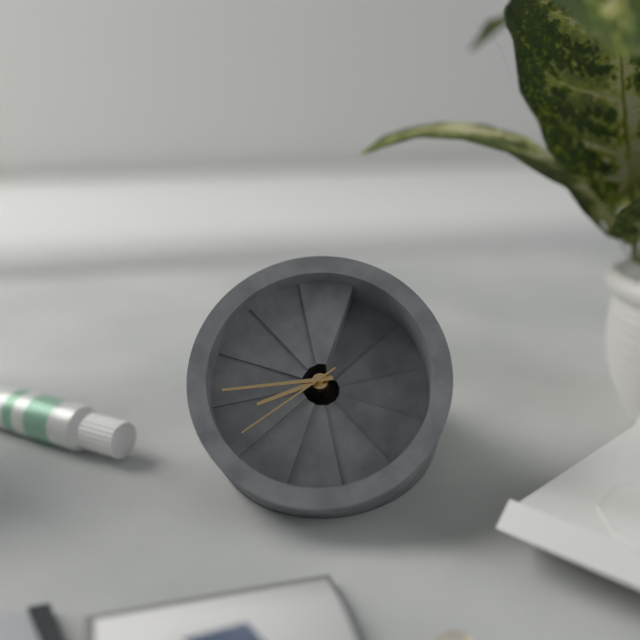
7:41:36
